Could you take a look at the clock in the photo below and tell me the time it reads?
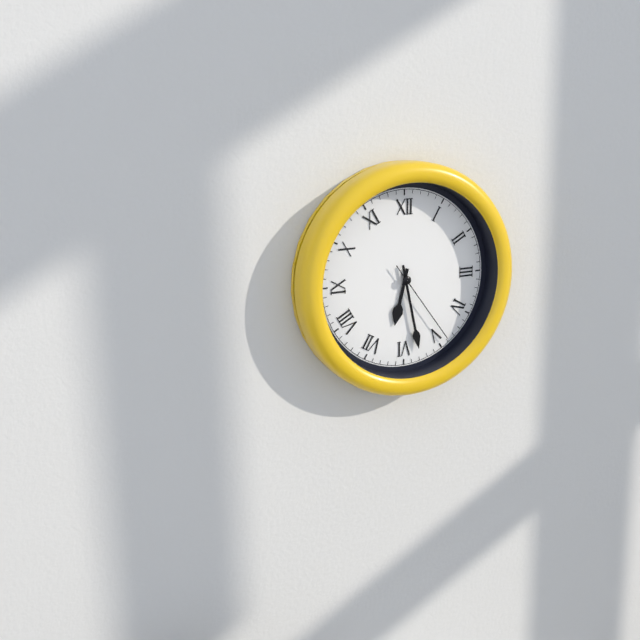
6:28:24
